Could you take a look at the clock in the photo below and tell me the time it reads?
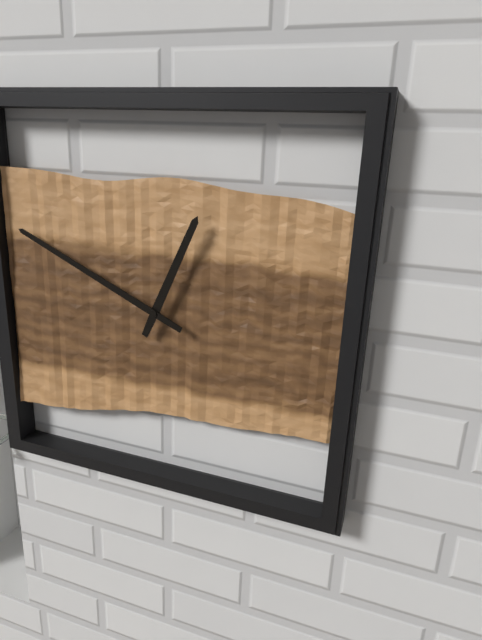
12:49
